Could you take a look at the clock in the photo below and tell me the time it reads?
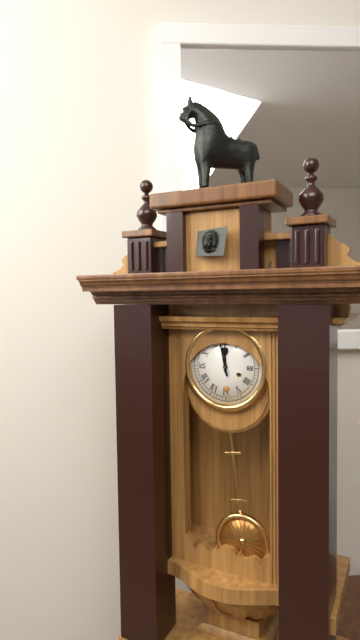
11:58
